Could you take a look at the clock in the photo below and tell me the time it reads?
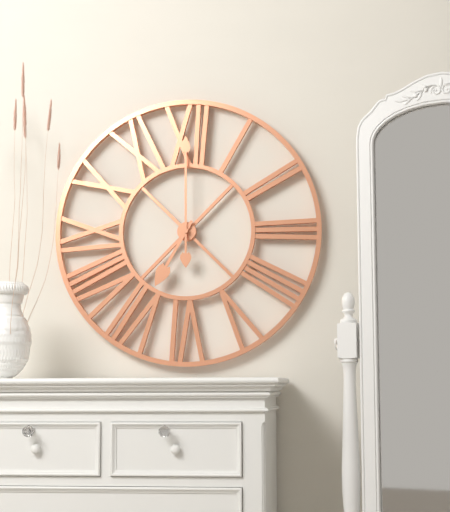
7:00
